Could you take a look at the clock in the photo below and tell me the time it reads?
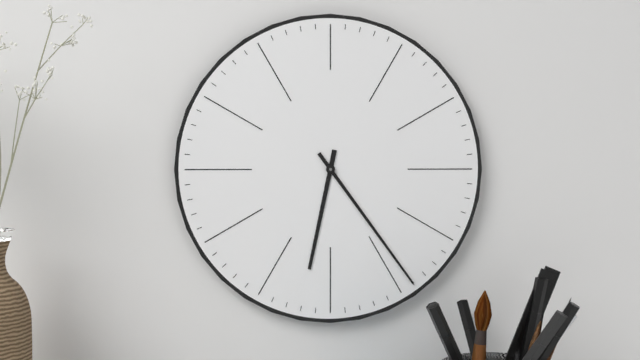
6:24
